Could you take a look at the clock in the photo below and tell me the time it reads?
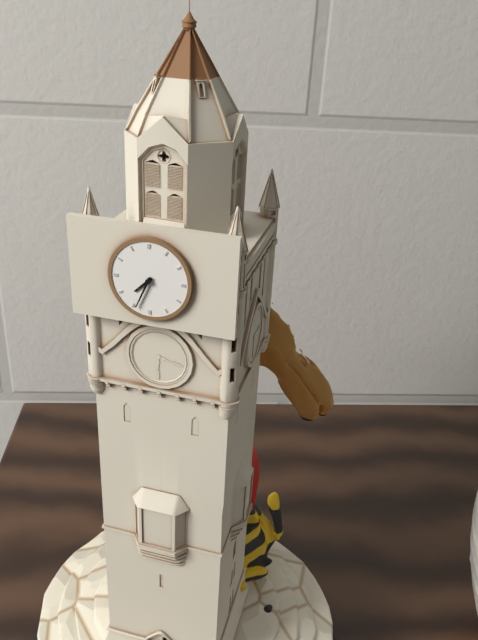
7:34
